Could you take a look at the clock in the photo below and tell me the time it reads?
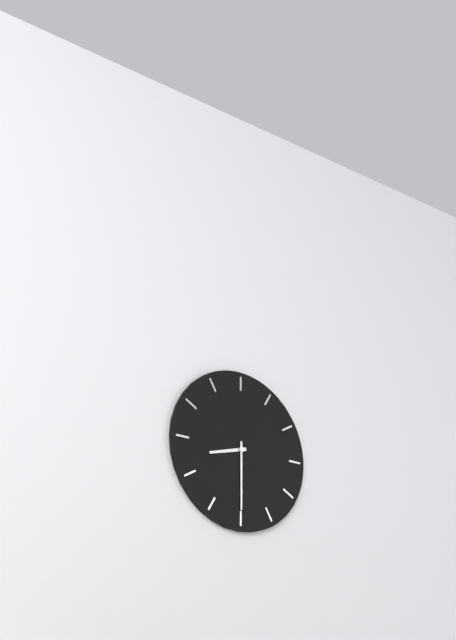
8:30
